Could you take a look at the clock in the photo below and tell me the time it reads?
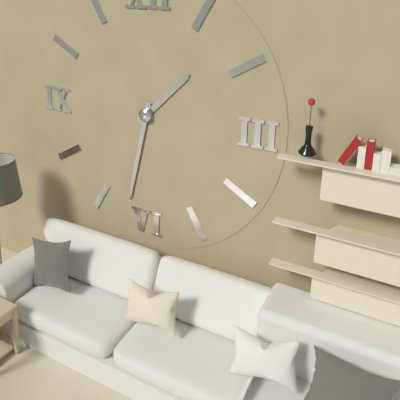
1:32
